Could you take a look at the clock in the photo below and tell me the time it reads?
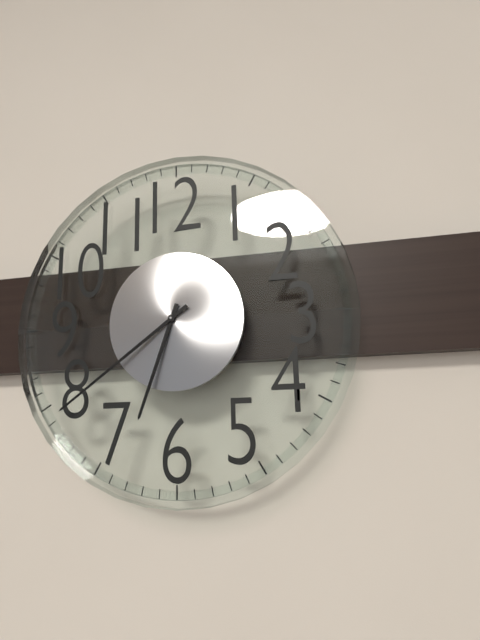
6:39
